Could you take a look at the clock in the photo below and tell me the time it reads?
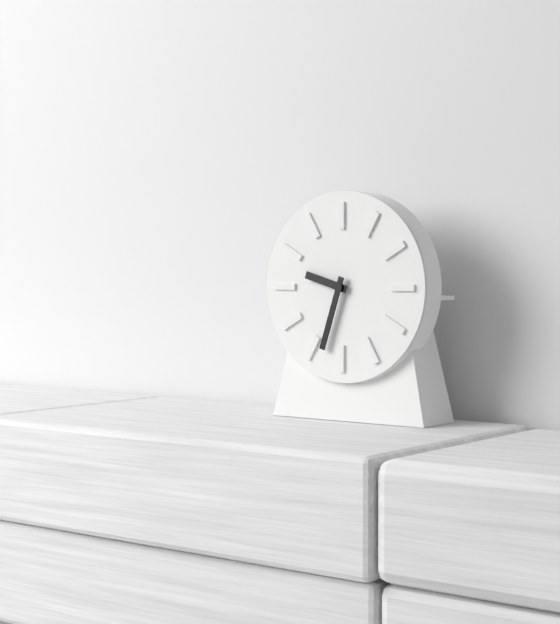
9:33
